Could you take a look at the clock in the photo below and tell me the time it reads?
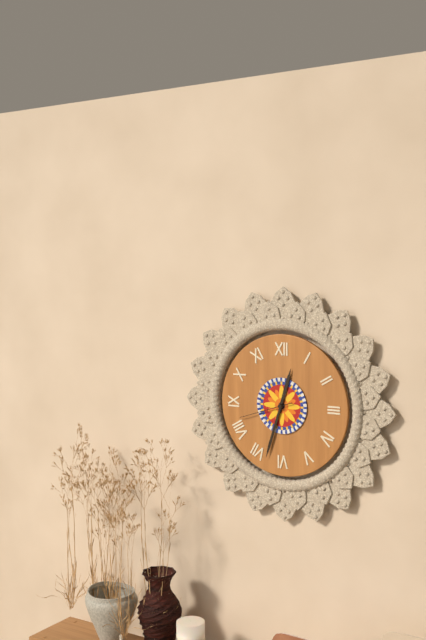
12:33:42
